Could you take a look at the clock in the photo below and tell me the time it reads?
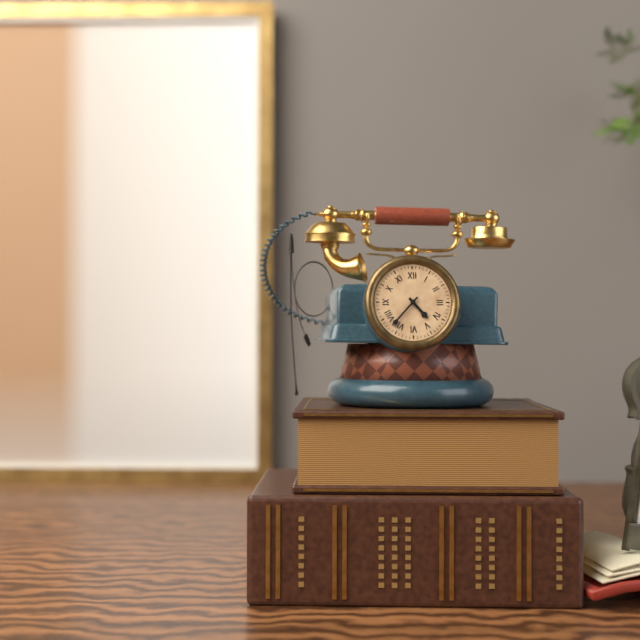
4:37
